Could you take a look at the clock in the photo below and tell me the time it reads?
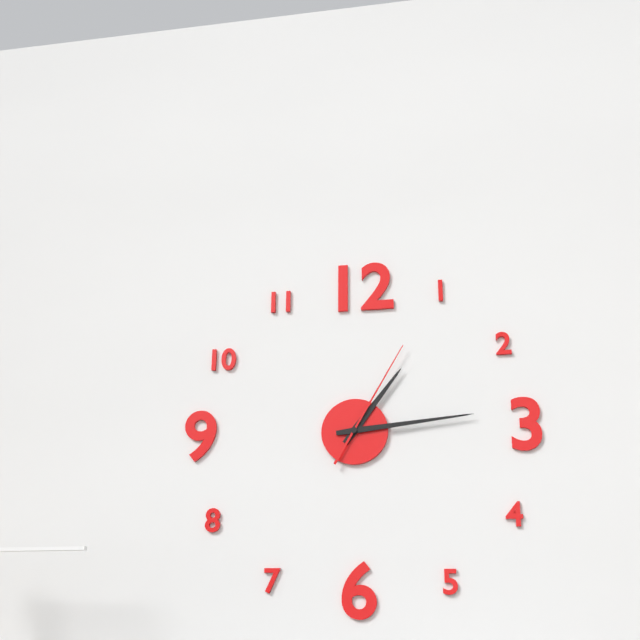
1:14:05
